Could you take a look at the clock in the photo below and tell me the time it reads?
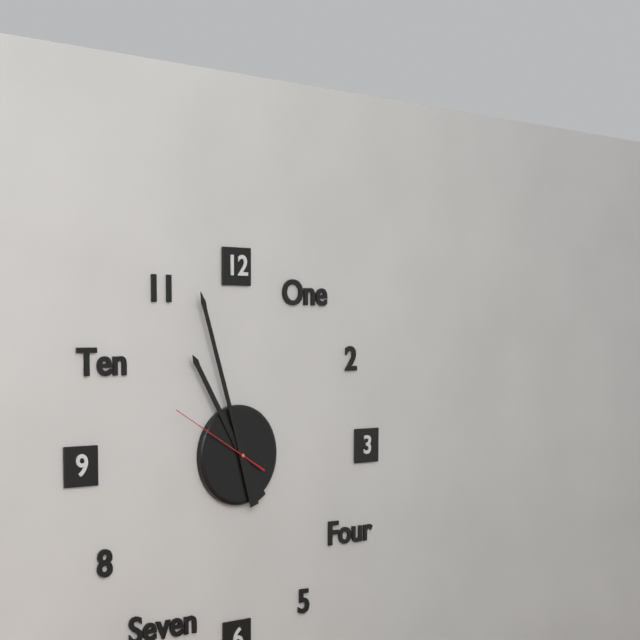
10:57:50
